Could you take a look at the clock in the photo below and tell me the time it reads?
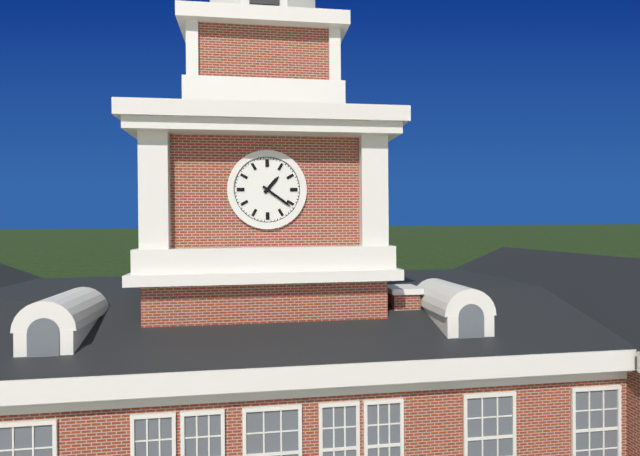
1:21
